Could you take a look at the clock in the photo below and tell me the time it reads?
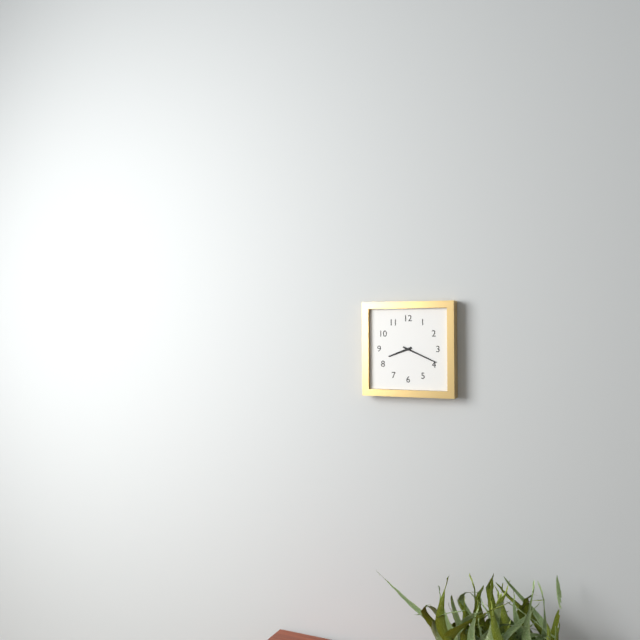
8:19
